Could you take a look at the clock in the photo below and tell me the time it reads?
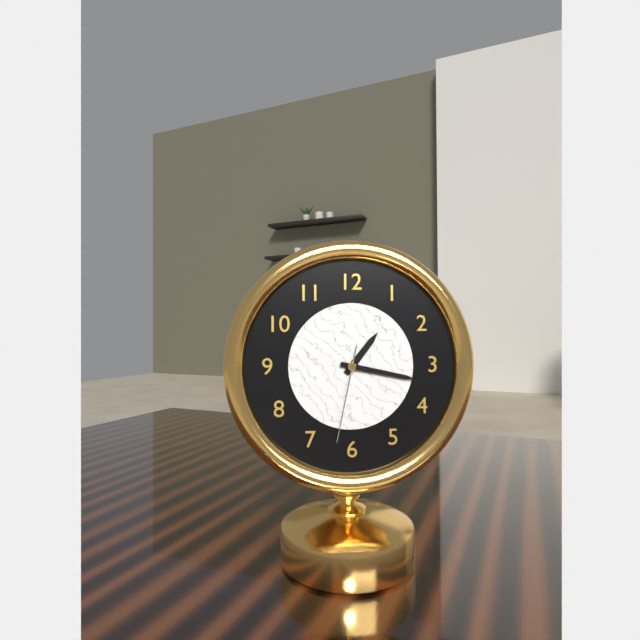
1:17:32
